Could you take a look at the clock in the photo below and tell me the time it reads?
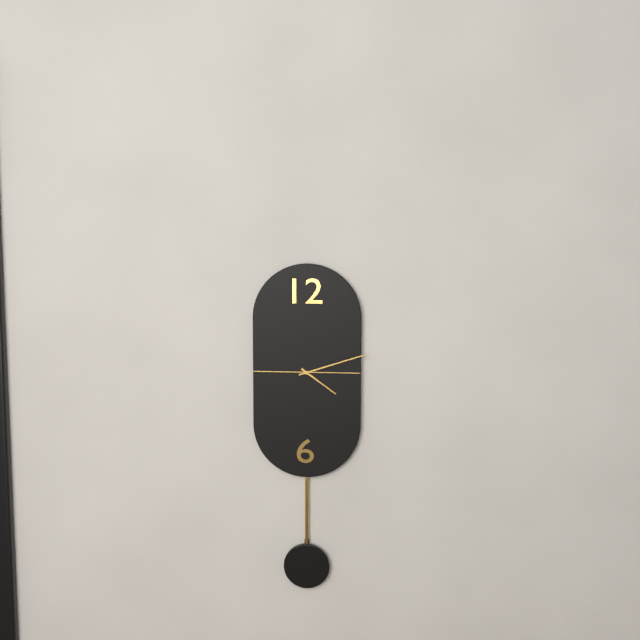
4:12
